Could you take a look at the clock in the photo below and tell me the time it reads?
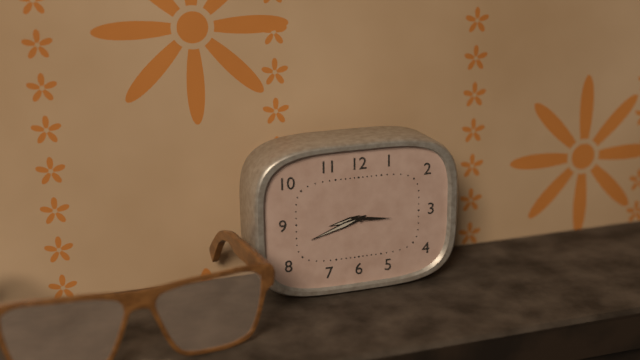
8:42
